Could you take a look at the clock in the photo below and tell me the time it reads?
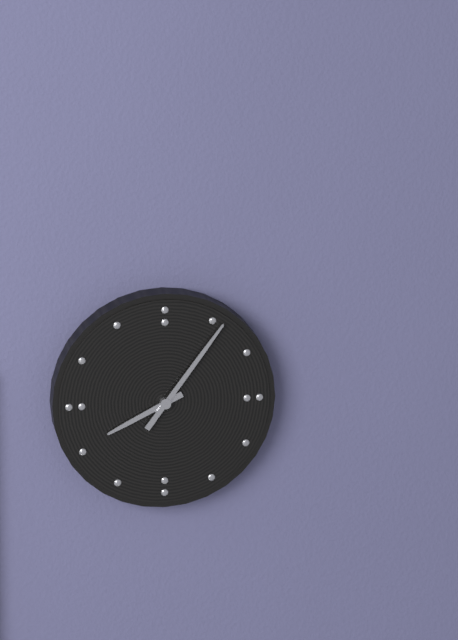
8:06
